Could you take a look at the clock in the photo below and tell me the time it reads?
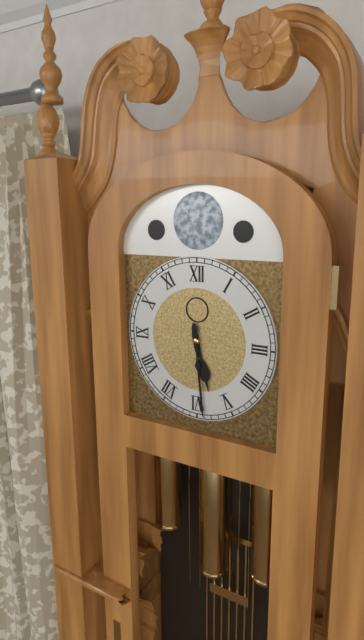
5:29
